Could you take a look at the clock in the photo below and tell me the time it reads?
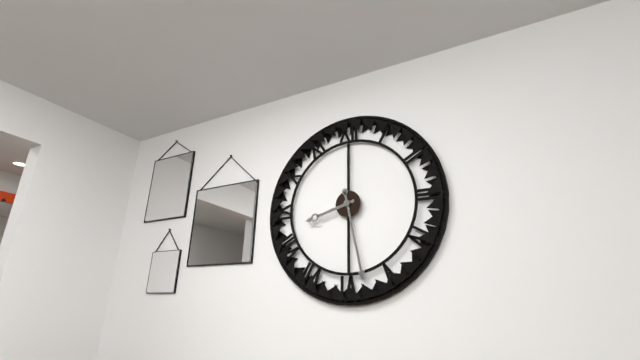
8:28
